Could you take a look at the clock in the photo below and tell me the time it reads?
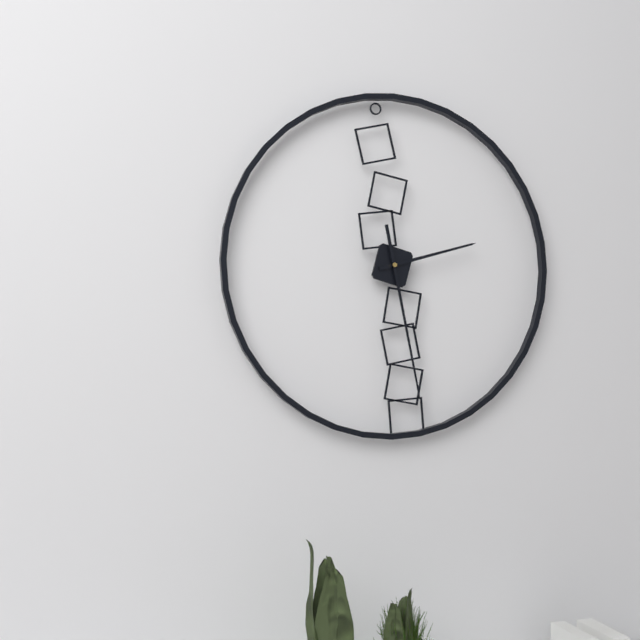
2:28
